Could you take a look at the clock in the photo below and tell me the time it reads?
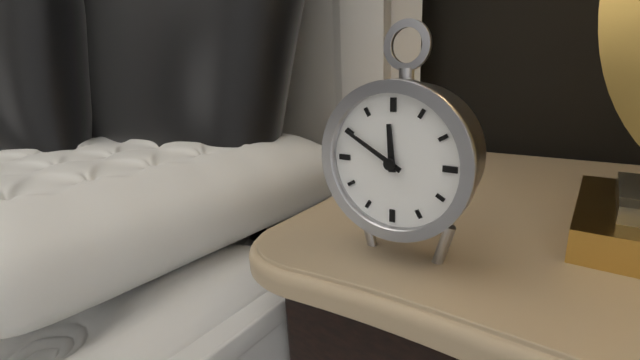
11:50
